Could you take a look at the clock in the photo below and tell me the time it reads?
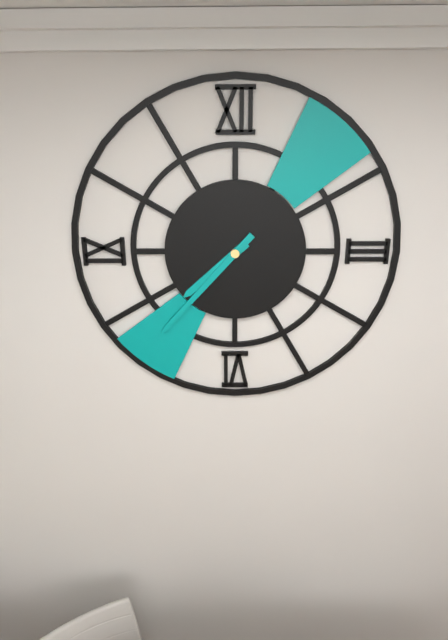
7:37
